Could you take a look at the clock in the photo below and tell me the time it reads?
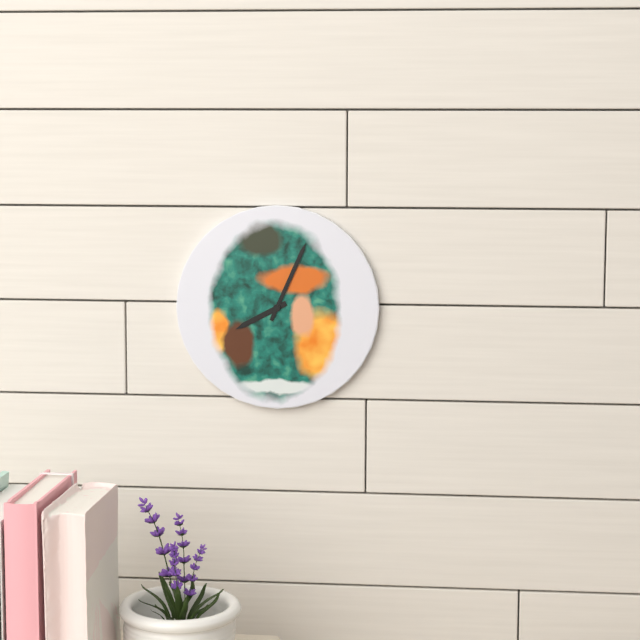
8:04
